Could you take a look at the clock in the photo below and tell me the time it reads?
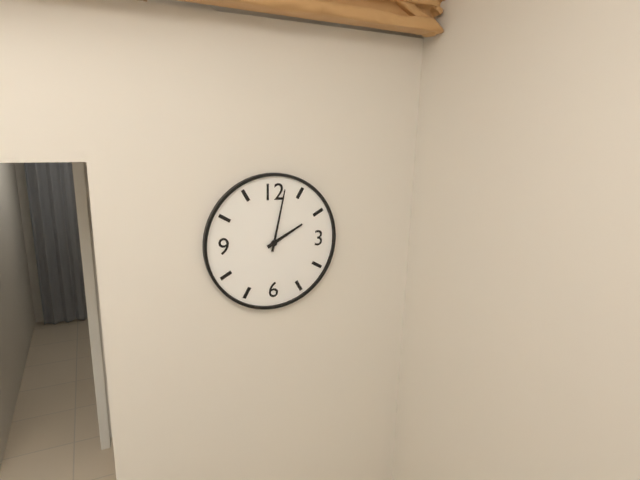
2:02
